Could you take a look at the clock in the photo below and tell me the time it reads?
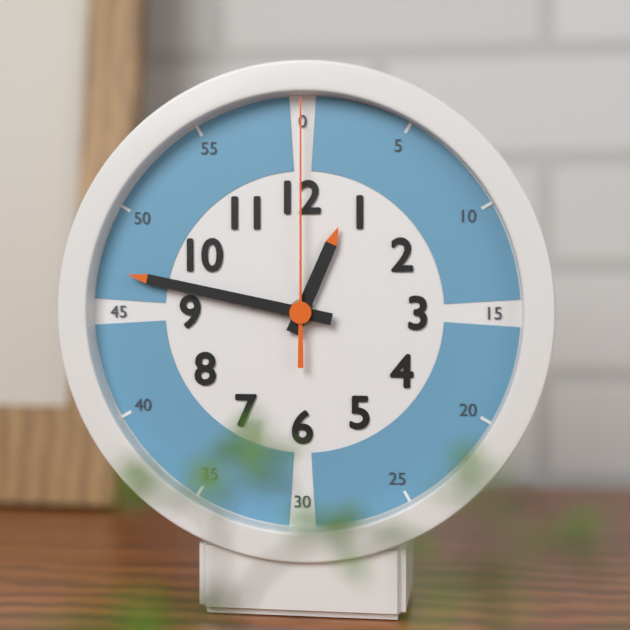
12:47:00
